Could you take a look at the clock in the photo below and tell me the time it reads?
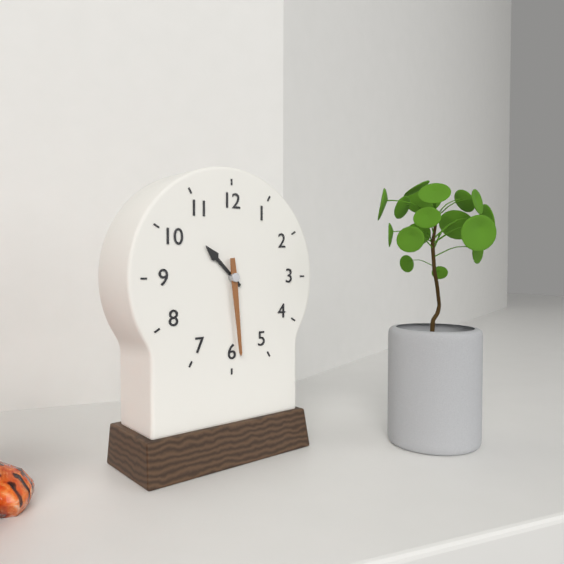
10:29
